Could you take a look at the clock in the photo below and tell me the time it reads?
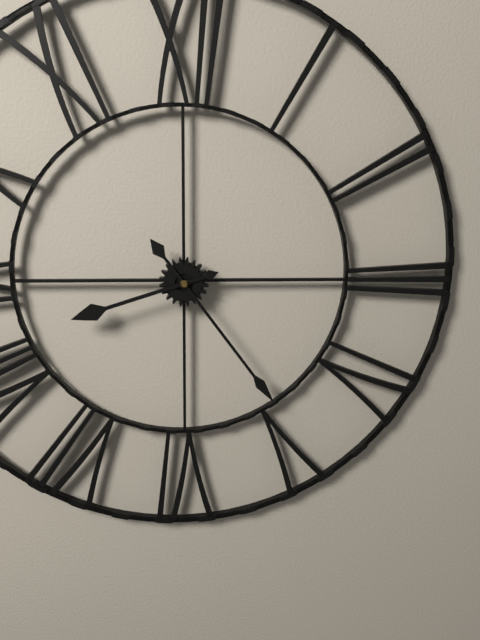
8:24
